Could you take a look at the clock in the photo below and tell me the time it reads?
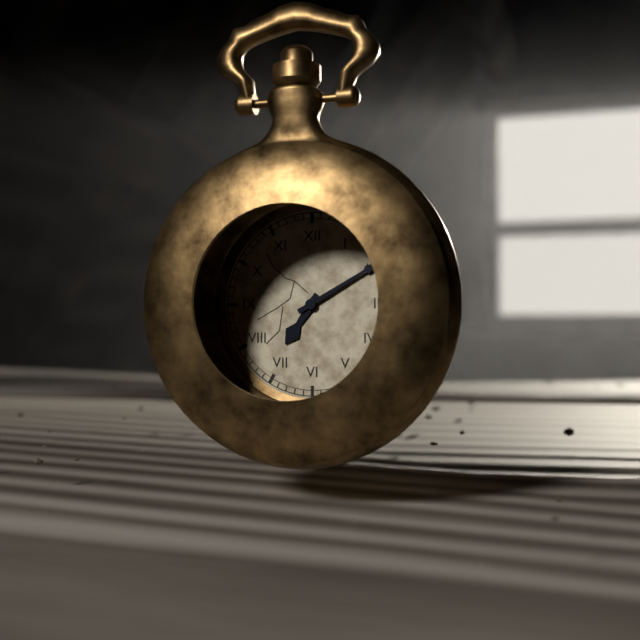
7:10
